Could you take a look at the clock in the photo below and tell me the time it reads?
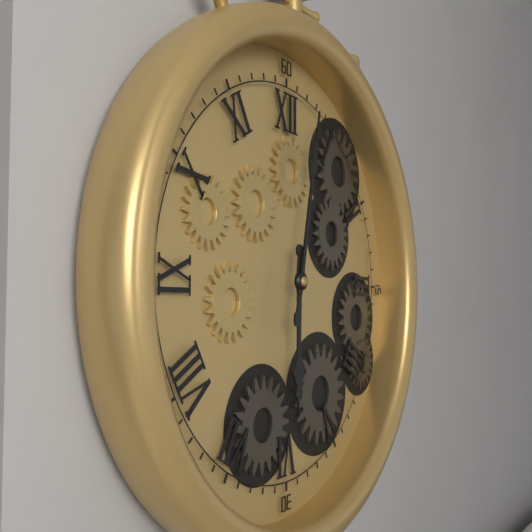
6:02
